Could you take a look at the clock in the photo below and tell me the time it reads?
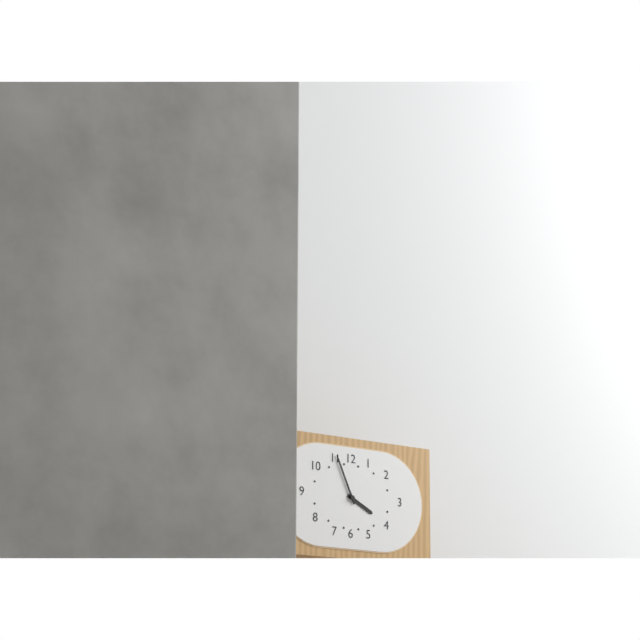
3:56
